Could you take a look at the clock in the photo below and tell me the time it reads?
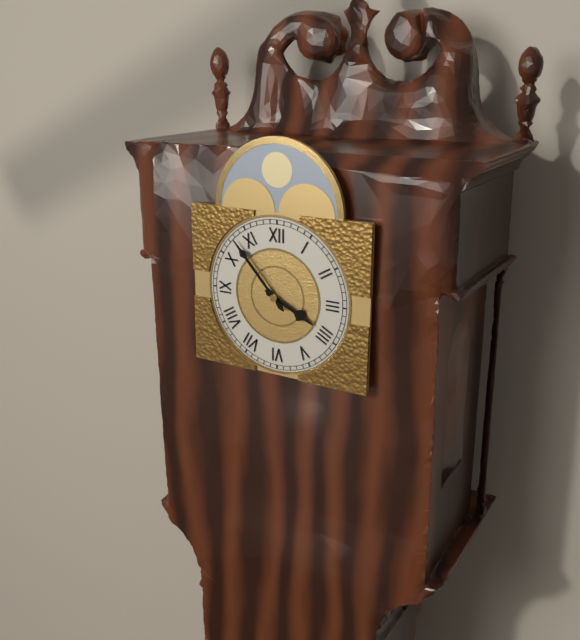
3:53
